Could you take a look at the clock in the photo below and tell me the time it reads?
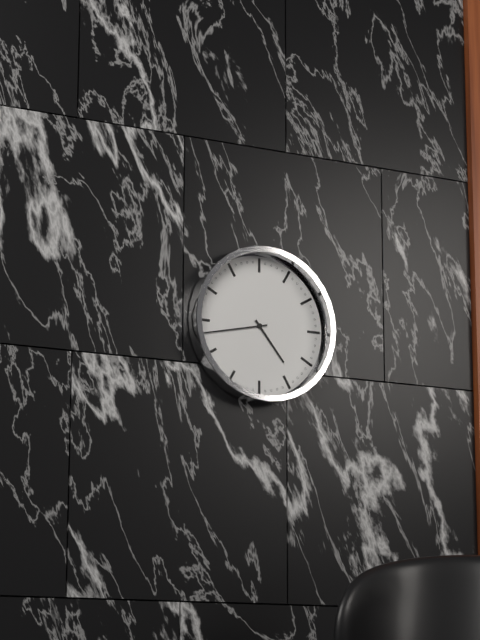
4:43
